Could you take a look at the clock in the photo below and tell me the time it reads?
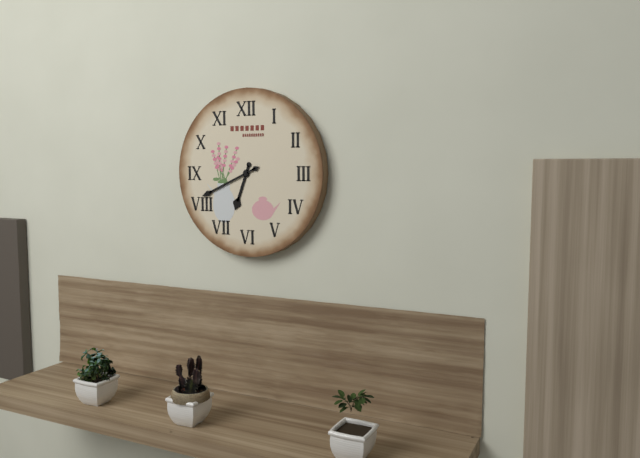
6:41
